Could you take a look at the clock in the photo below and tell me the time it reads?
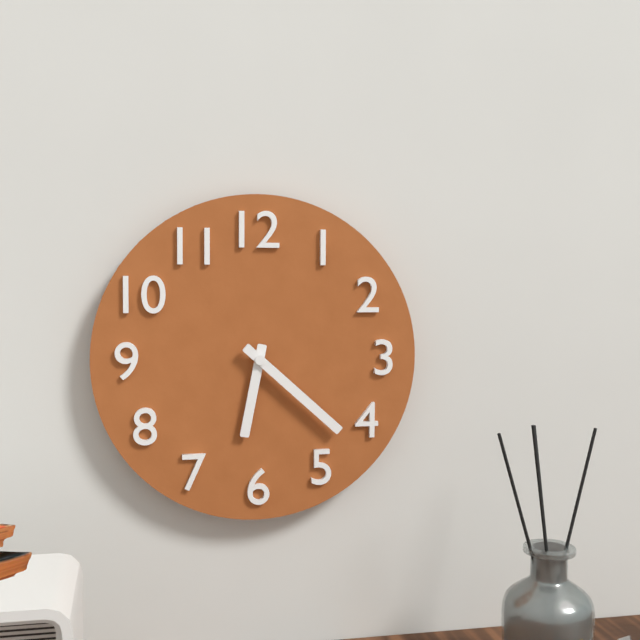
6:22
